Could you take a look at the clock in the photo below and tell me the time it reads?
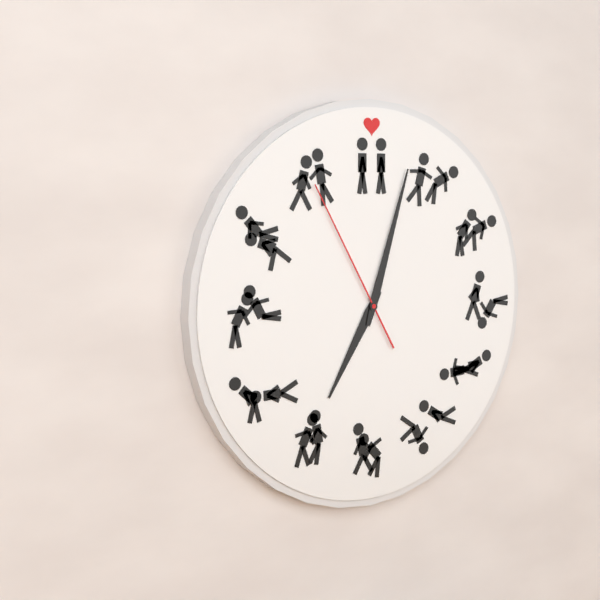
7:03:55
